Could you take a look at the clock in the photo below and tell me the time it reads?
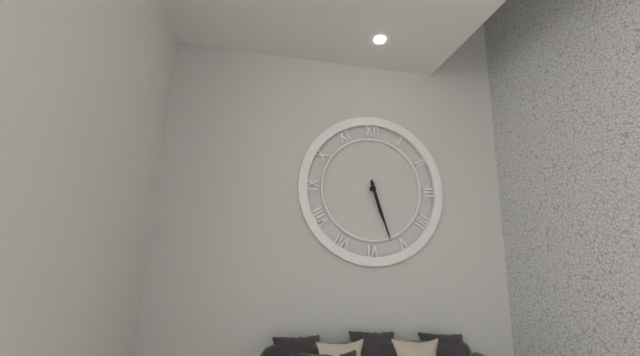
5:27
